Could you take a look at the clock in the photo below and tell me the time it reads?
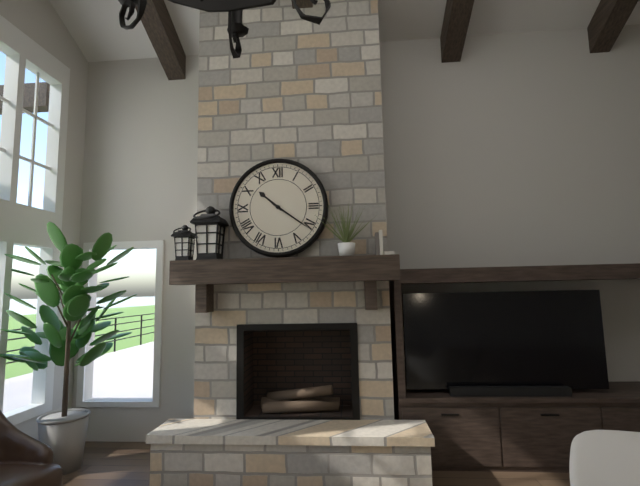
10:21
